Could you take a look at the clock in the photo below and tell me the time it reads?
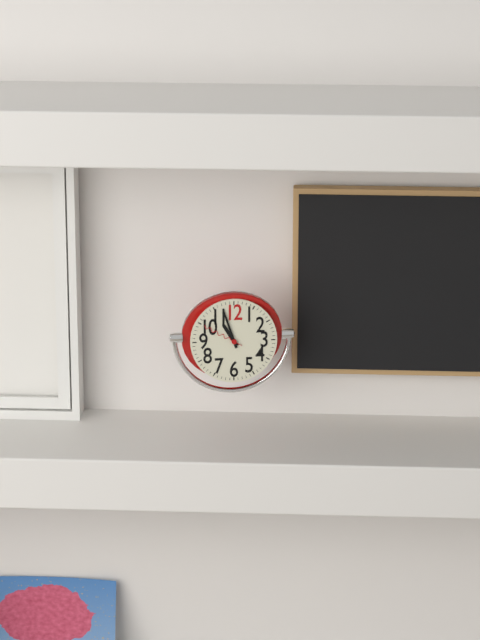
10:57
